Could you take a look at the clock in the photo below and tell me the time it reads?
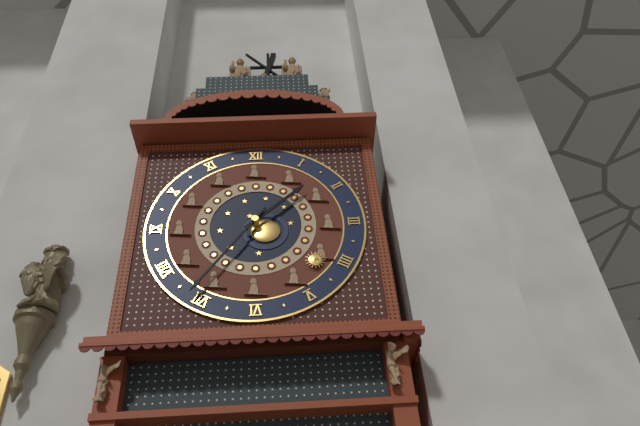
1:36
